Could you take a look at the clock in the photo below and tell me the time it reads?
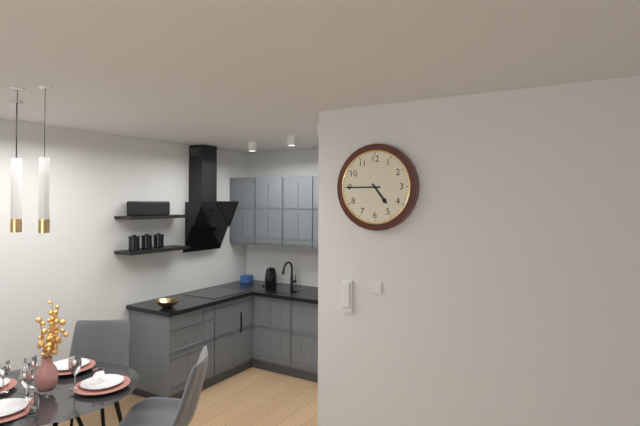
4:45
